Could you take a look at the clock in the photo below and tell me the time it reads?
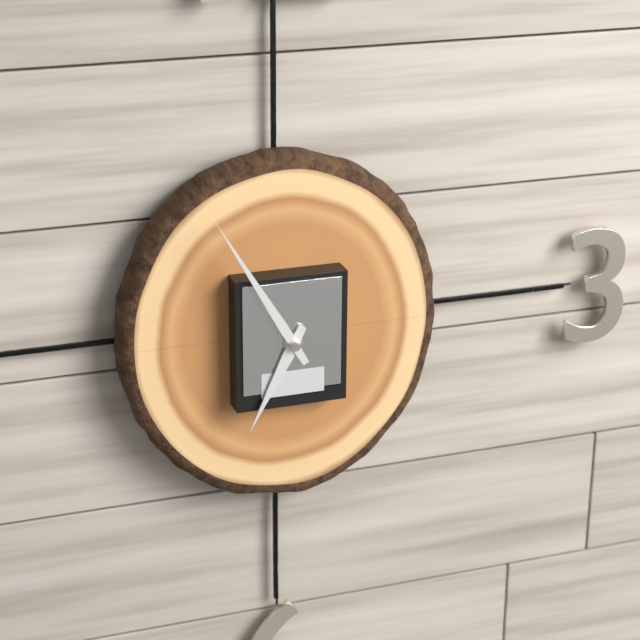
6:55
